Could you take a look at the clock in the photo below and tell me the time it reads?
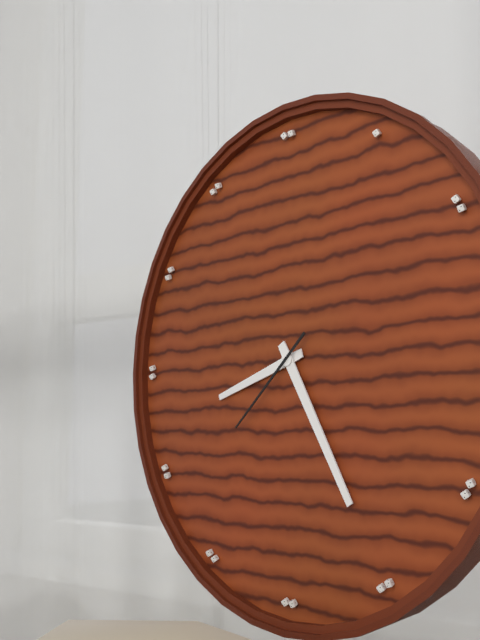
8:25:38
